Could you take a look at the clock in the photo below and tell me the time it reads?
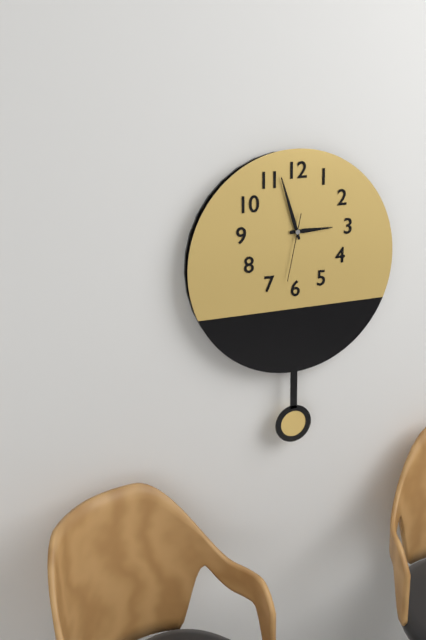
2:57:32
